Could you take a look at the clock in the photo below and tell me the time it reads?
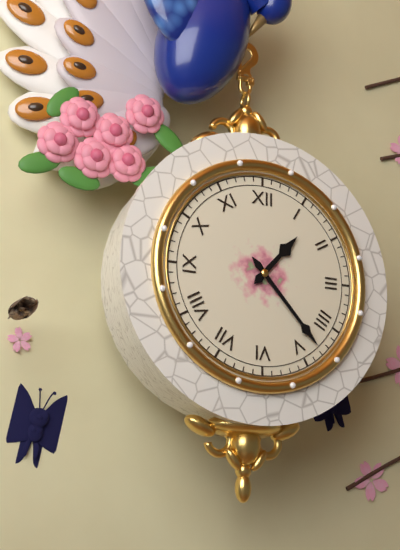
1:23
